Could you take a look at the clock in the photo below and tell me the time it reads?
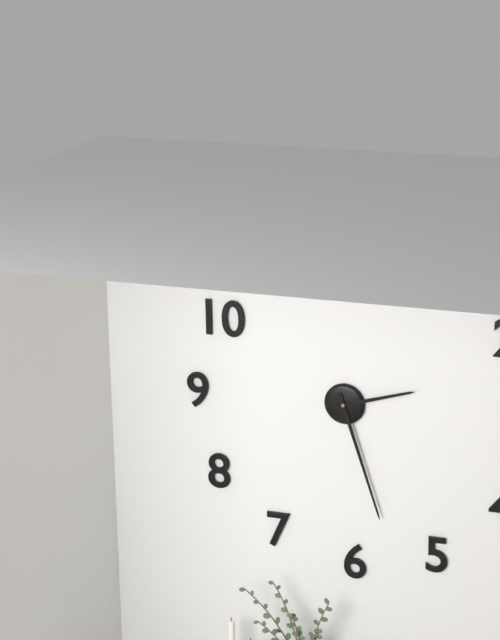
2:27
